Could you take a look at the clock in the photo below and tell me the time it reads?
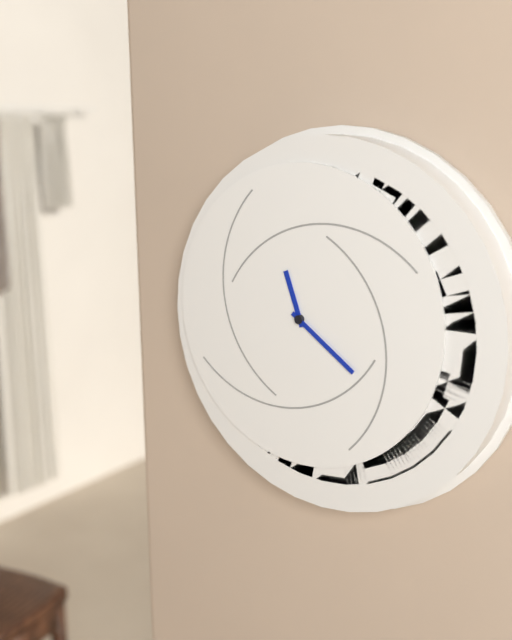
11:21
